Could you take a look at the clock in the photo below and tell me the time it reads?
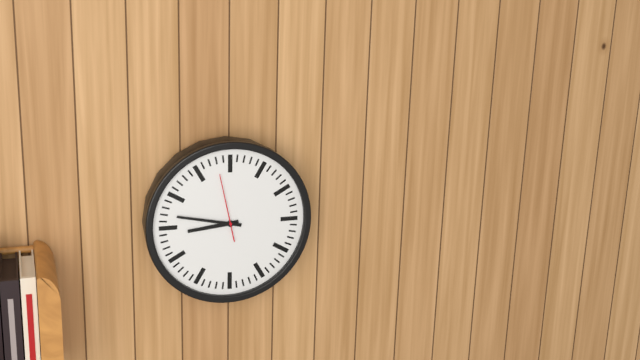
8:47:58
